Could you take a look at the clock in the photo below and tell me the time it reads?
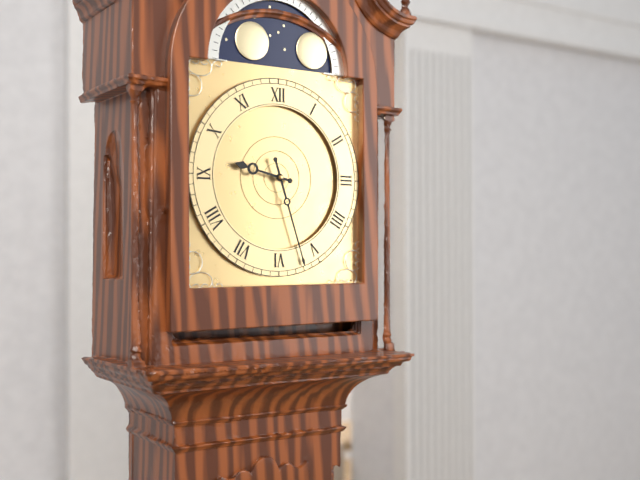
9:27
